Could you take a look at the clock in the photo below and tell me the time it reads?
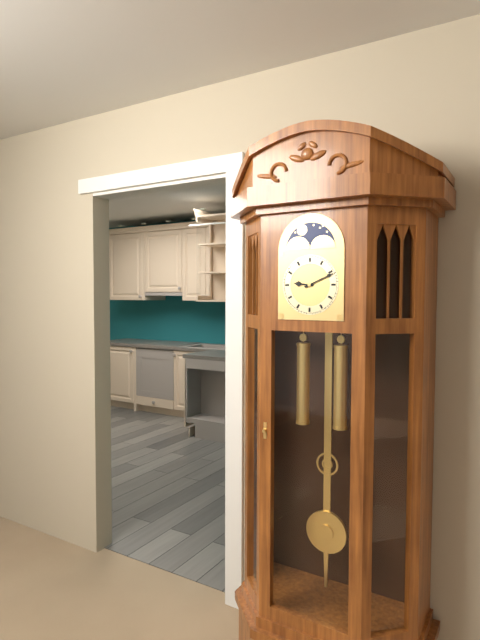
9:11
